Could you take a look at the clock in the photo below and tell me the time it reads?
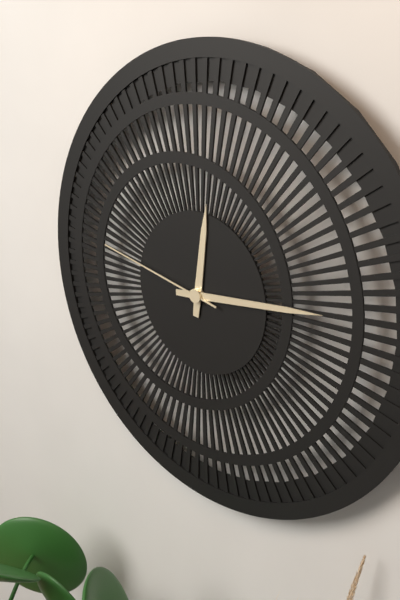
12:14:47
